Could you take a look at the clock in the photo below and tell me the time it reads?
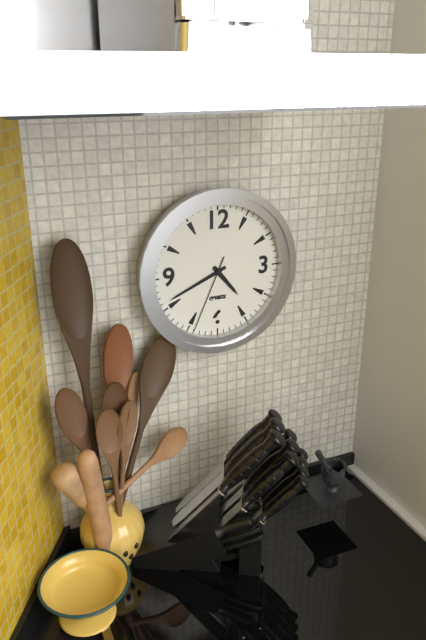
4:41:34
